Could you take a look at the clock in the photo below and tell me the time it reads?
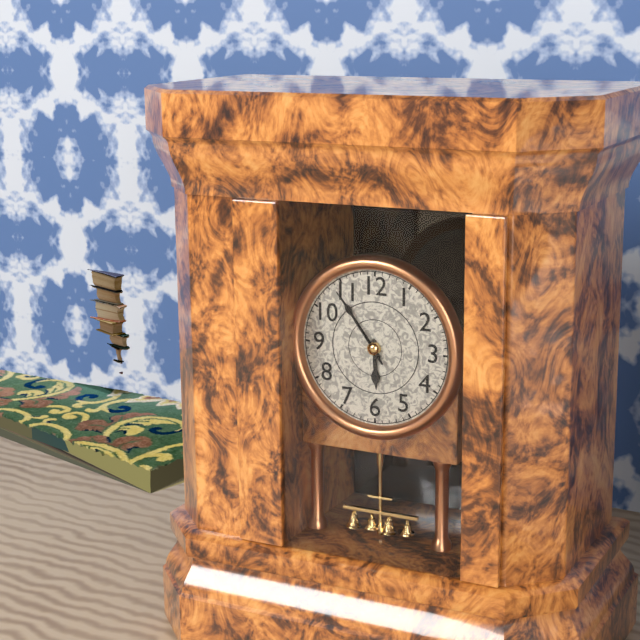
5:54:54
